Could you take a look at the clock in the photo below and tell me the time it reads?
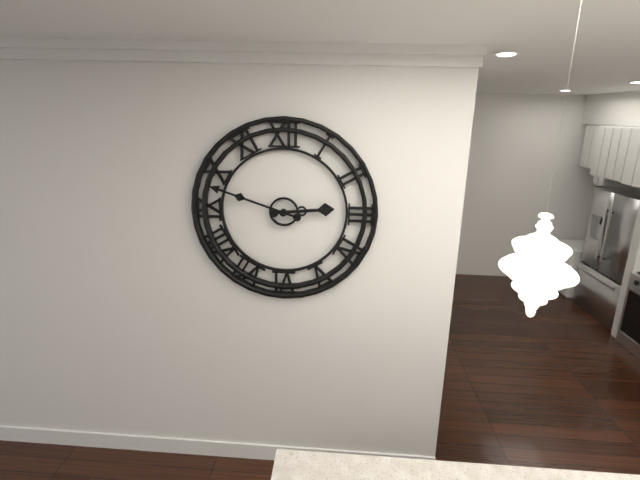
2:48
